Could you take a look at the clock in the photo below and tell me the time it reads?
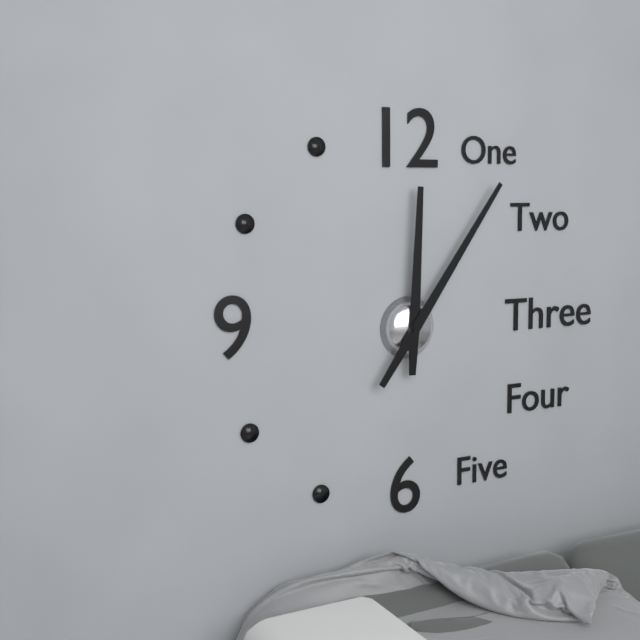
12:06
